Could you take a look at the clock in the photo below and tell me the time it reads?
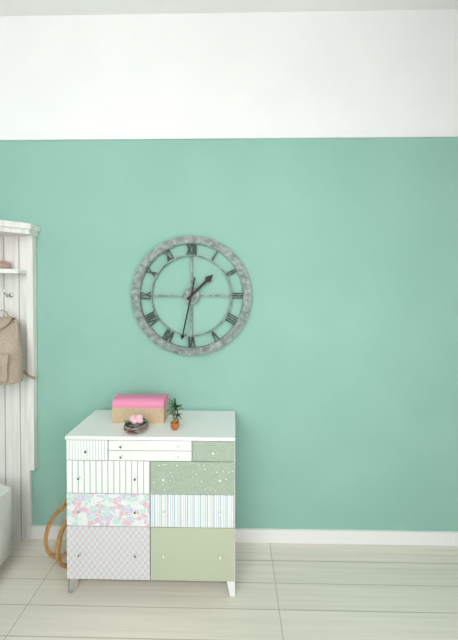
1:32
